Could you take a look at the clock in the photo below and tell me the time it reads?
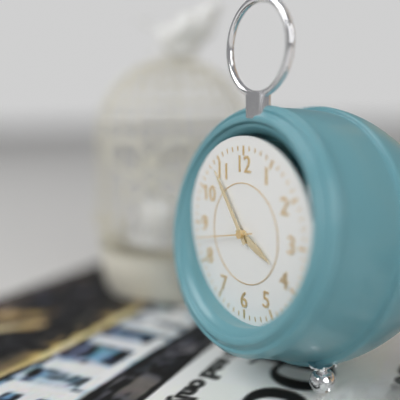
3:54:43
